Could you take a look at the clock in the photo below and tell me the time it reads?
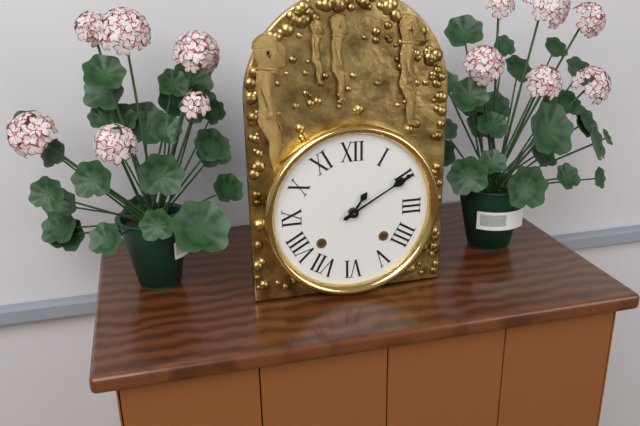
1:10
